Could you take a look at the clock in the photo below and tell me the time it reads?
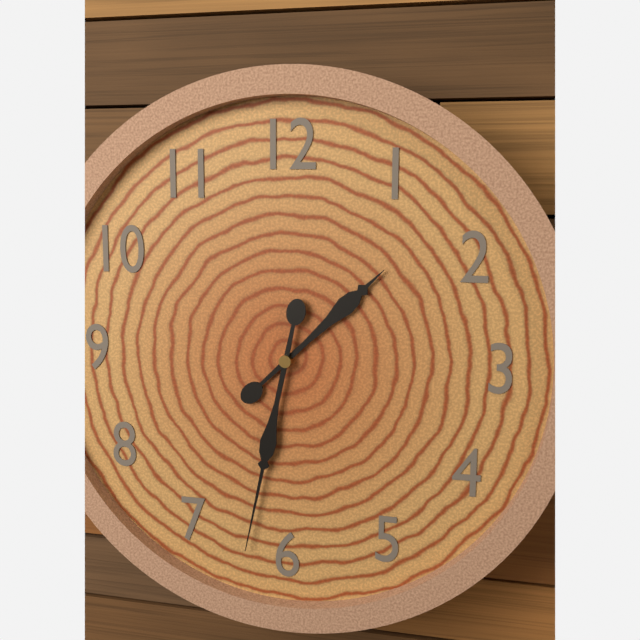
1:32
